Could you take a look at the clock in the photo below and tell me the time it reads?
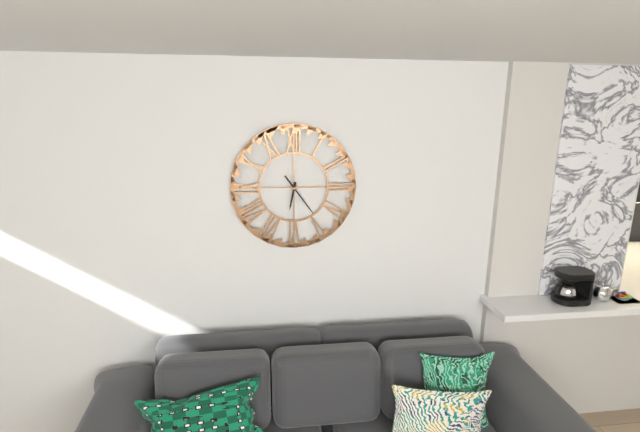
6:24
